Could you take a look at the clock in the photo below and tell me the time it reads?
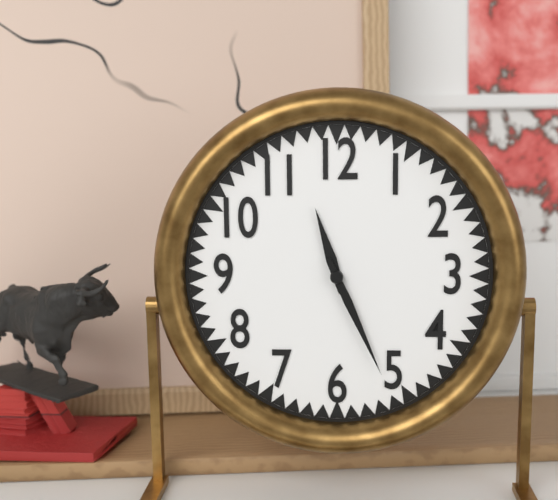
11:26
